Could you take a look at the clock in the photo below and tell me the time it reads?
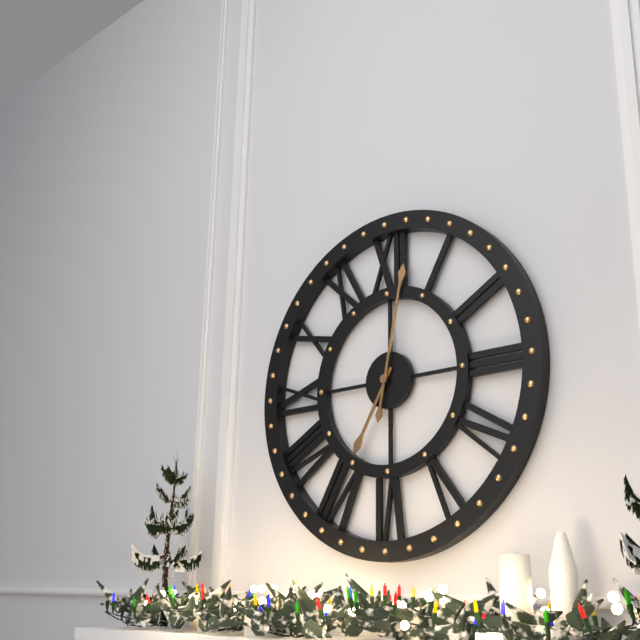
7:02
